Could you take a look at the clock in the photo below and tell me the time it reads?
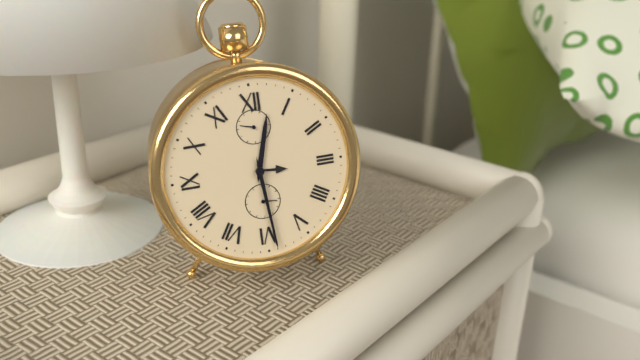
12:29
